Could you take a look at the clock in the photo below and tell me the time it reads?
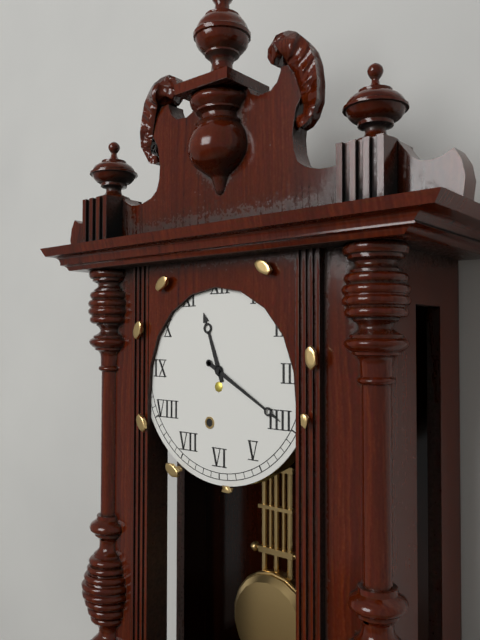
11:20
